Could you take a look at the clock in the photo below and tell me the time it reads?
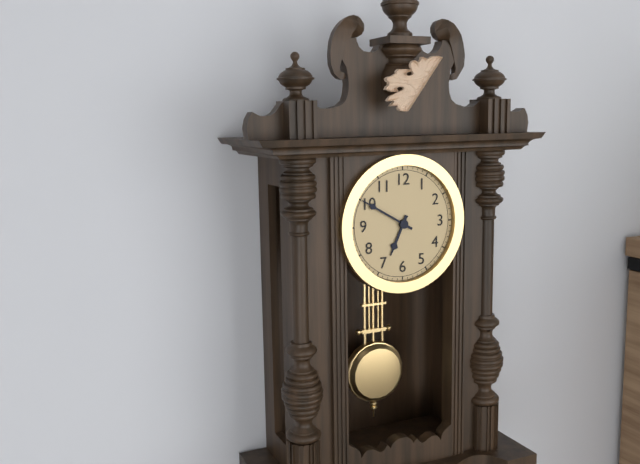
6:50
